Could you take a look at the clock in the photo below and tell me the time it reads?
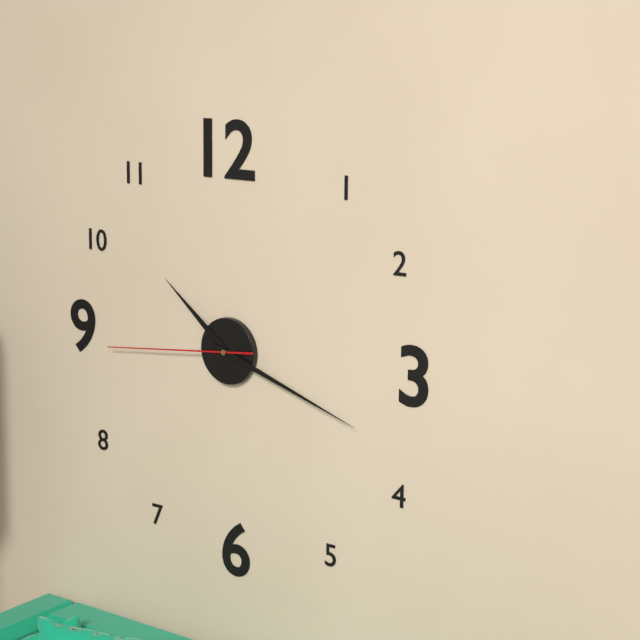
10:18:44
